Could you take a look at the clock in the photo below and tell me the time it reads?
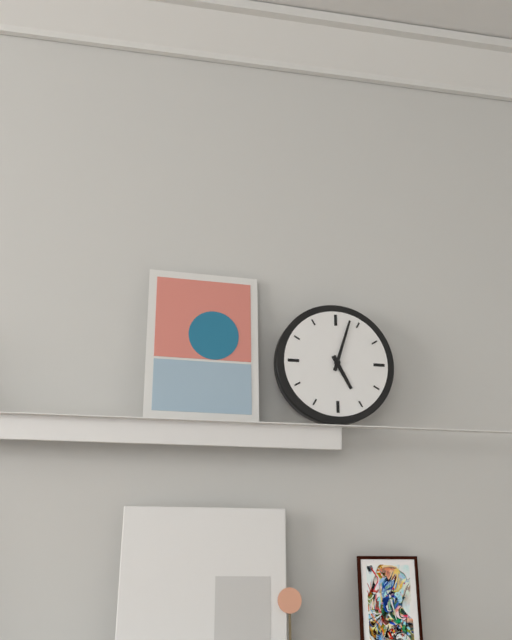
5:03
